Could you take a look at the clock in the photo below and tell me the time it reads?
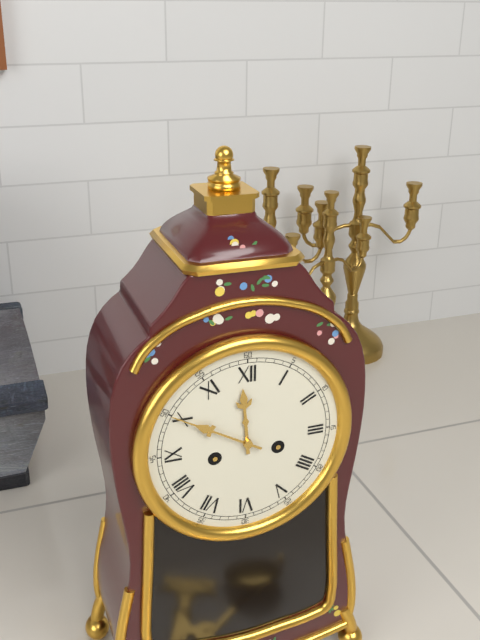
11:50
